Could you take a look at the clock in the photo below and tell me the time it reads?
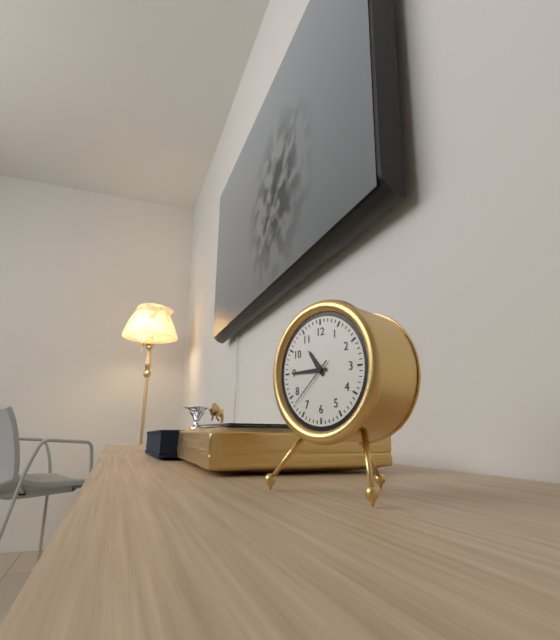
10:45:38
